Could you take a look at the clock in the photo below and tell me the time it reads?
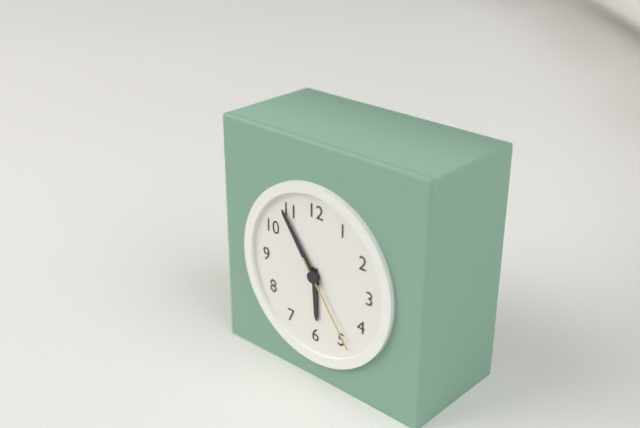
5:54:24
